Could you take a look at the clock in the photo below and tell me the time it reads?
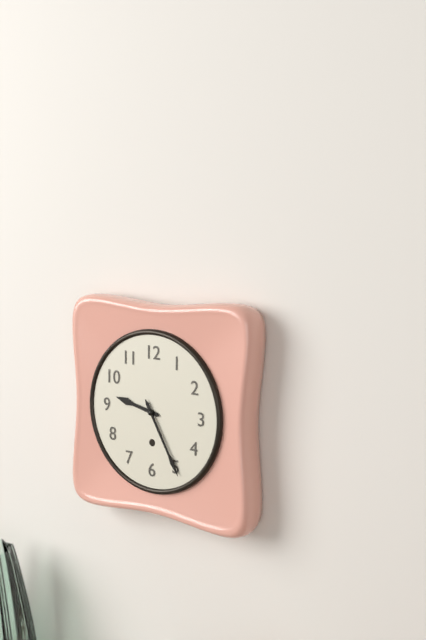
9:25
